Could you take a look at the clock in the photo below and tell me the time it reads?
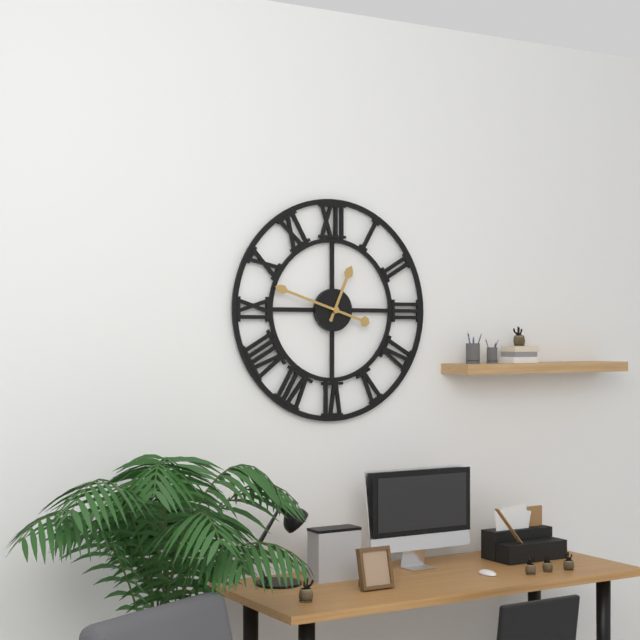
12:48
